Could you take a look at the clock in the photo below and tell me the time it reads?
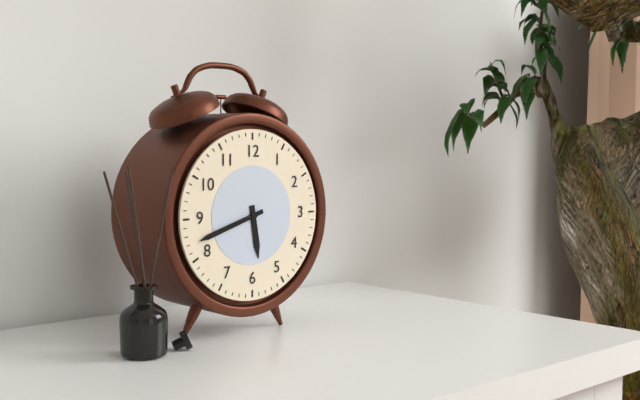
5:42
